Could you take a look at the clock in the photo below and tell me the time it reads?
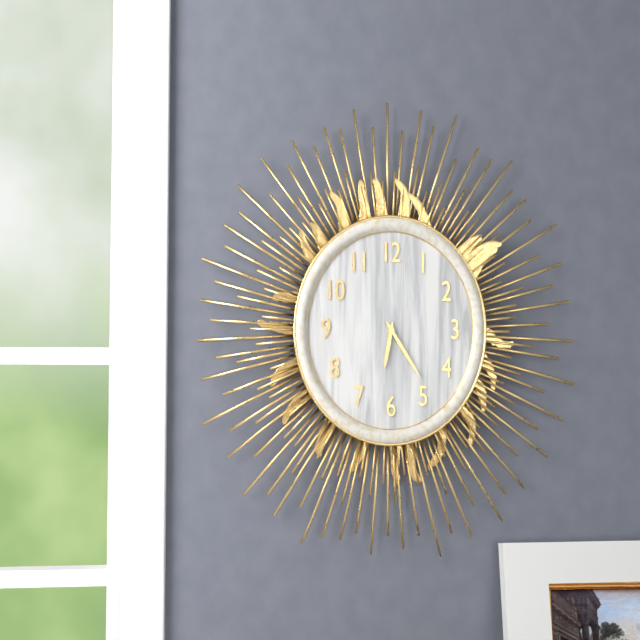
6:24
